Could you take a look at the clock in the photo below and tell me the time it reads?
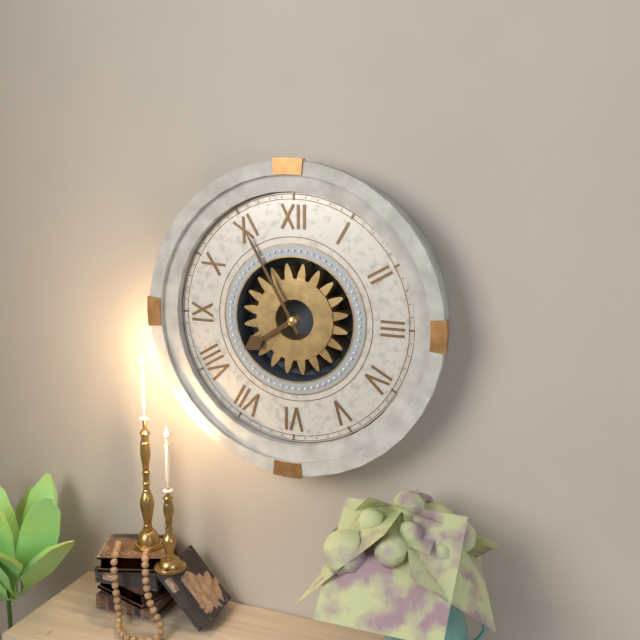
7:55
